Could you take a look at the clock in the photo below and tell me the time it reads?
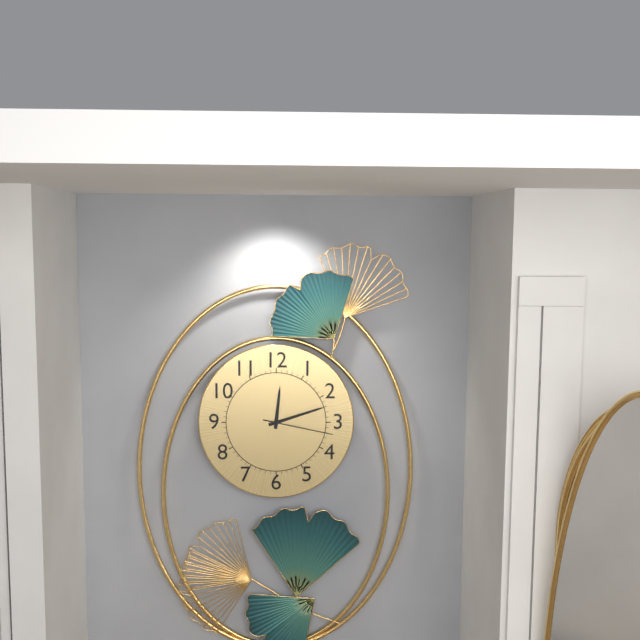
12:12:17
